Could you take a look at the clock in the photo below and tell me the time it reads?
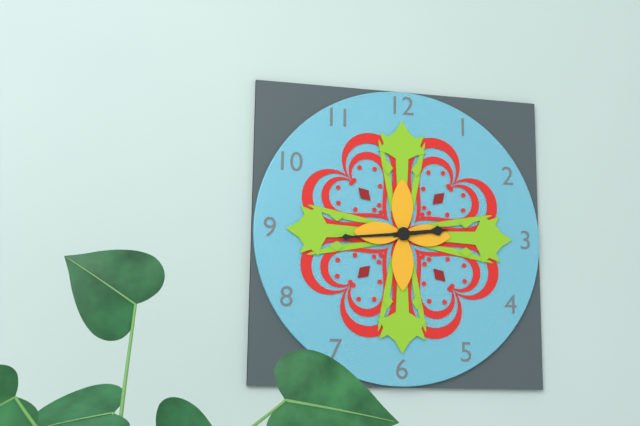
2:44
